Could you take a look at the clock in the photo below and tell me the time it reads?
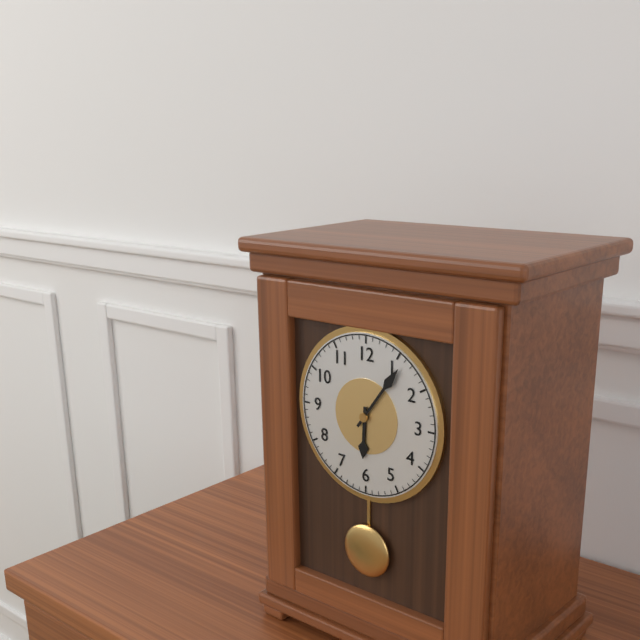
6:06
